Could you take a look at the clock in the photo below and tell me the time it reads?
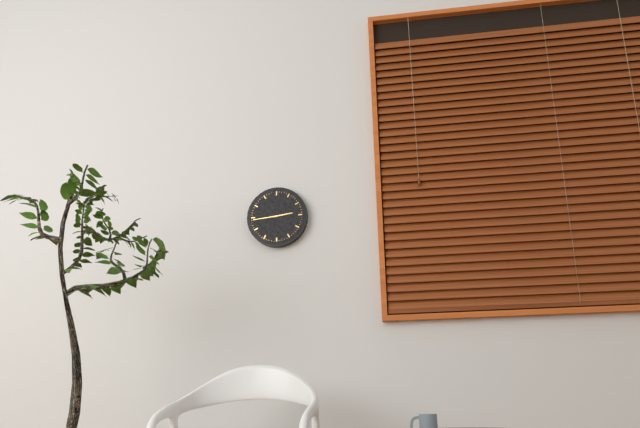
2:44
